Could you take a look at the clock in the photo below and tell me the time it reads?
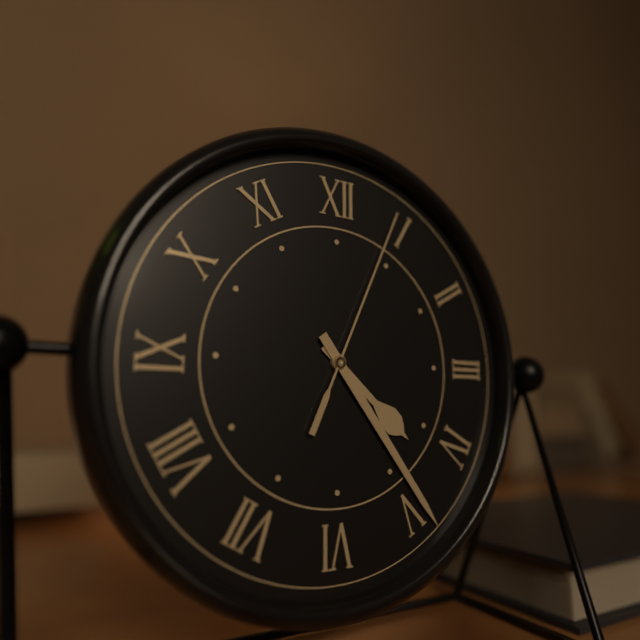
4:24:04
